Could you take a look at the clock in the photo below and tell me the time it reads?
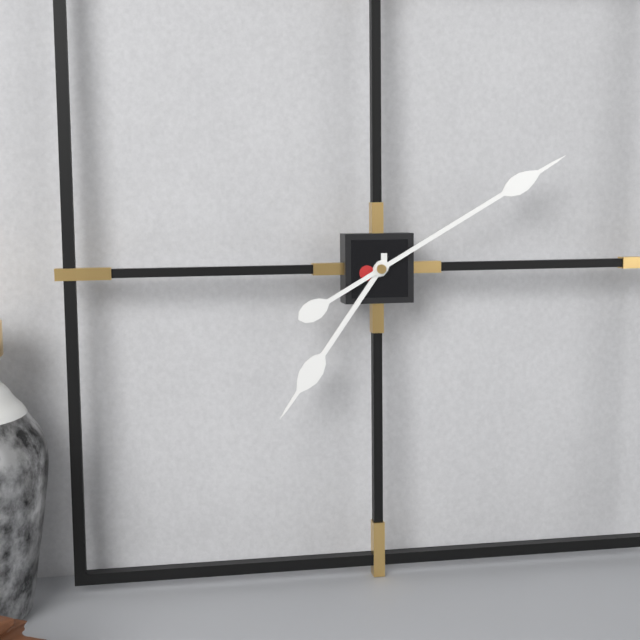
7:10
